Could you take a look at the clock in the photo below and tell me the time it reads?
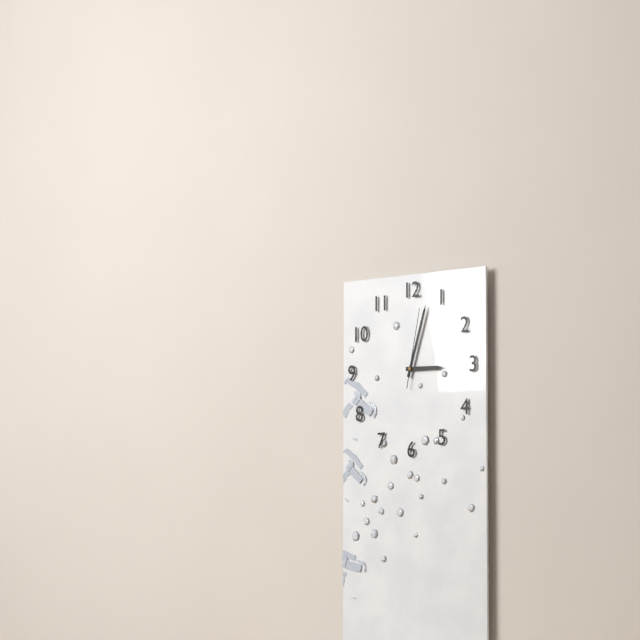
3:03:02
